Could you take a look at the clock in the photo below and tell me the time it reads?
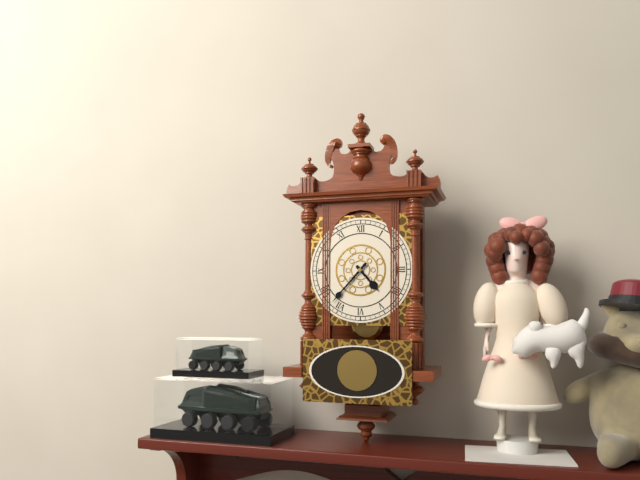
4:37
